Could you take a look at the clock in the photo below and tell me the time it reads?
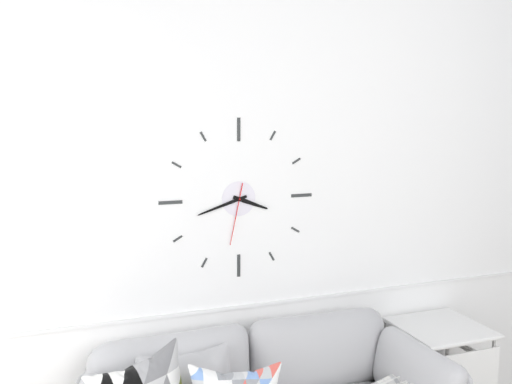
3:42:32
